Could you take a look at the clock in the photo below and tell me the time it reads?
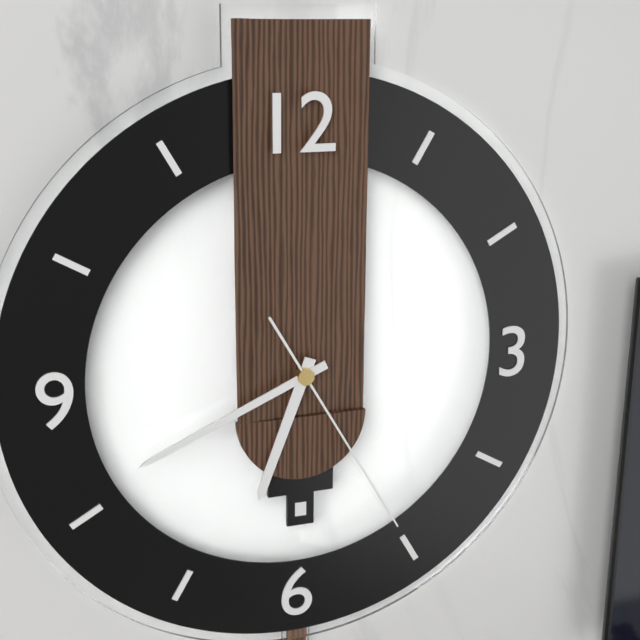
6:41:25
